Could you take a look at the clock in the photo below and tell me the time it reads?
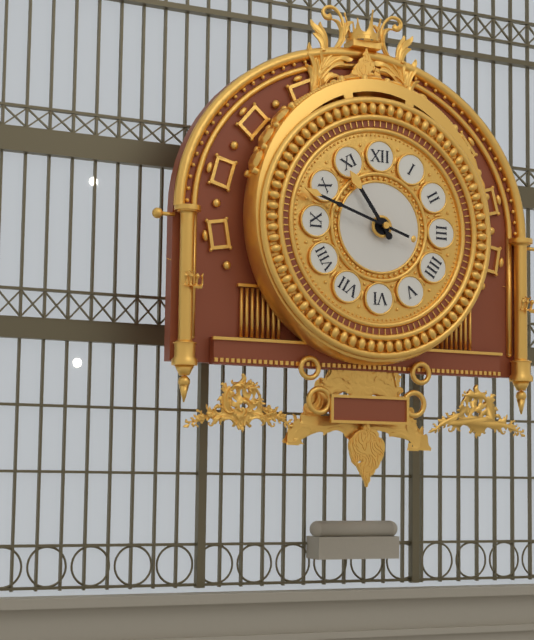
10:48
